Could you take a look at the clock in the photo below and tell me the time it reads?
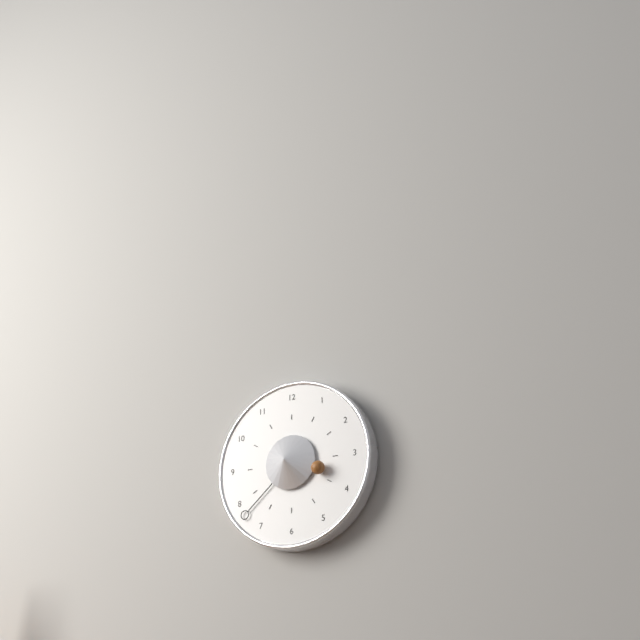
3:38
